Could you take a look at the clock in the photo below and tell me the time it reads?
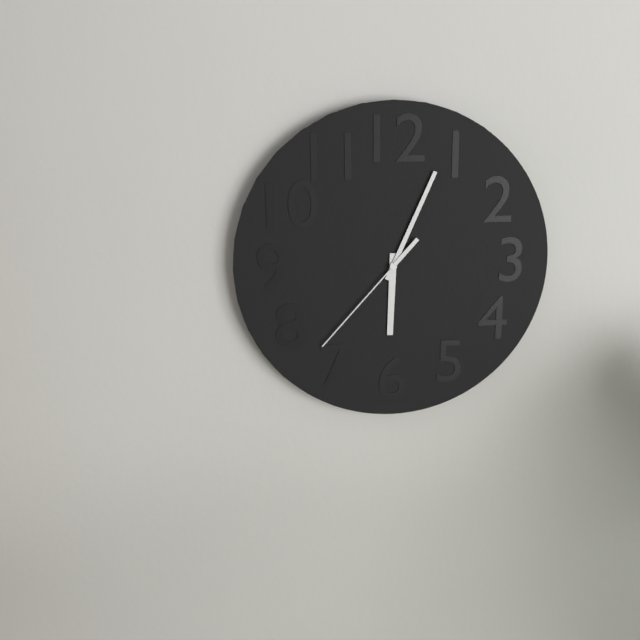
6:04:37
